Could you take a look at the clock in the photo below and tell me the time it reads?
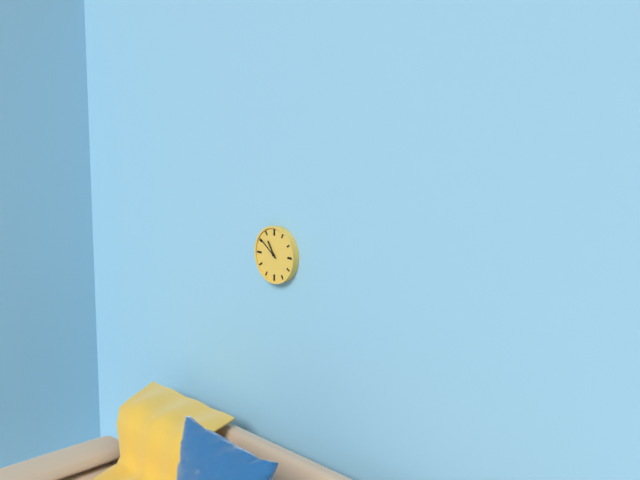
10:51
